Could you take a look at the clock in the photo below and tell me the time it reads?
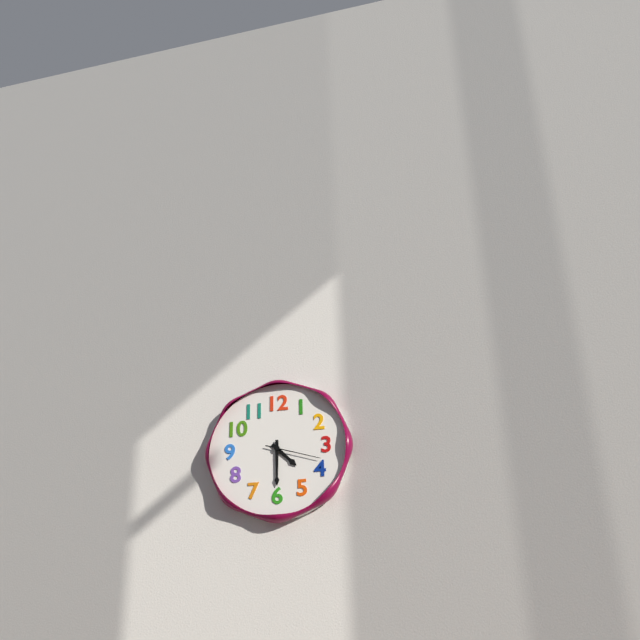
4:30:18
